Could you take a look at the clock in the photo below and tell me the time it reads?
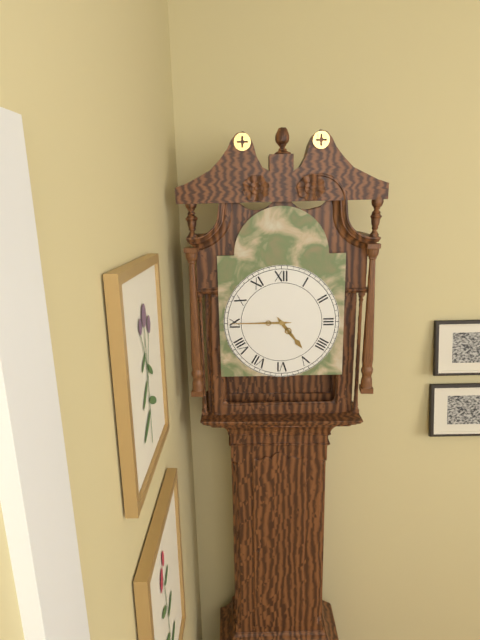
4:45
